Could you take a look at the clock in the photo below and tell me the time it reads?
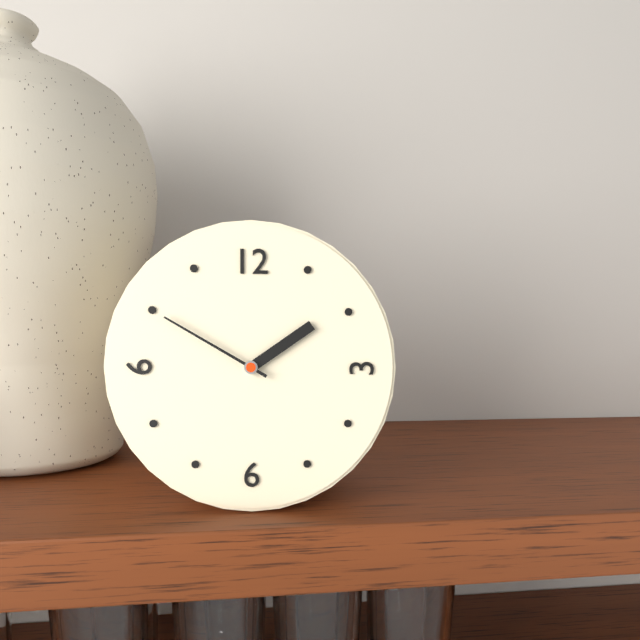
1:50
